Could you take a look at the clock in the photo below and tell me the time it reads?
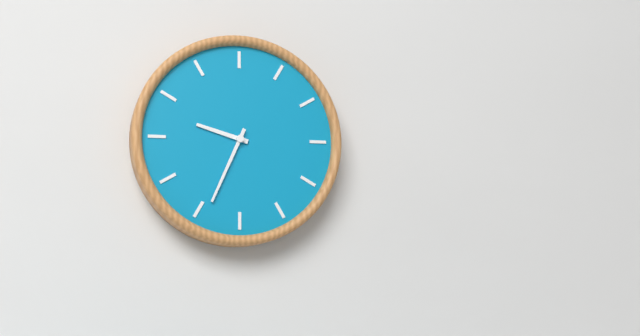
9:34
